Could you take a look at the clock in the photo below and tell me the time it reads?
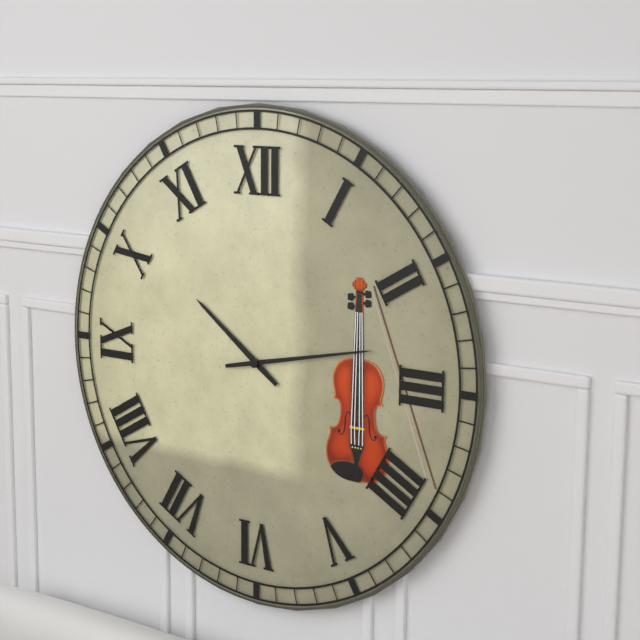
10:13
